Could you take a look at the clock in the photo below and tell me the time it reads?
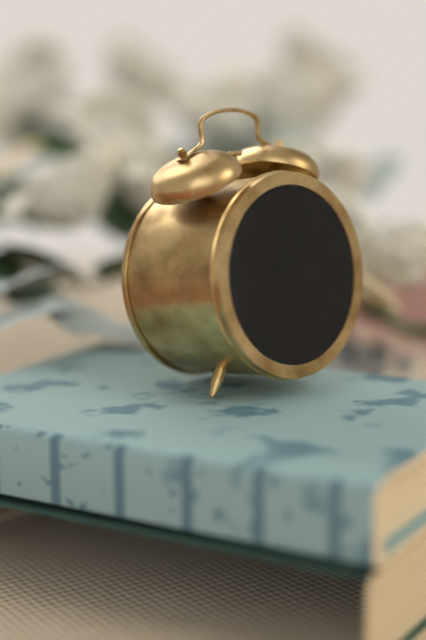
12:04
